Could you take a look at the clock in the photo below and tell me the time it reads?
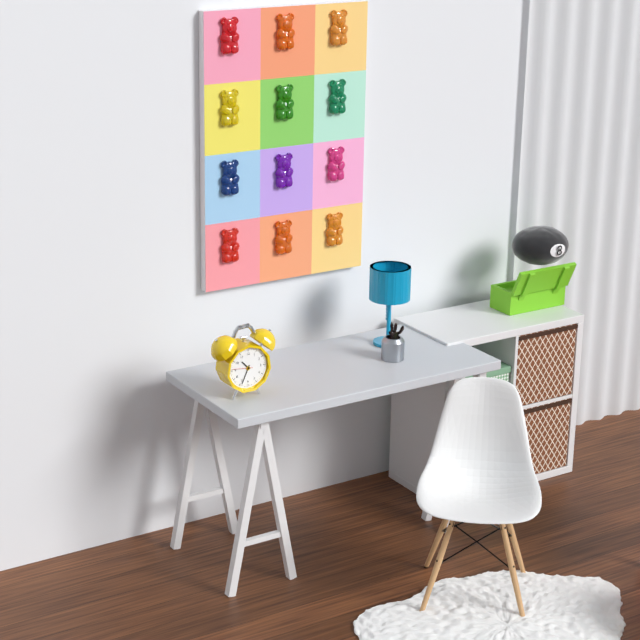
10:34
